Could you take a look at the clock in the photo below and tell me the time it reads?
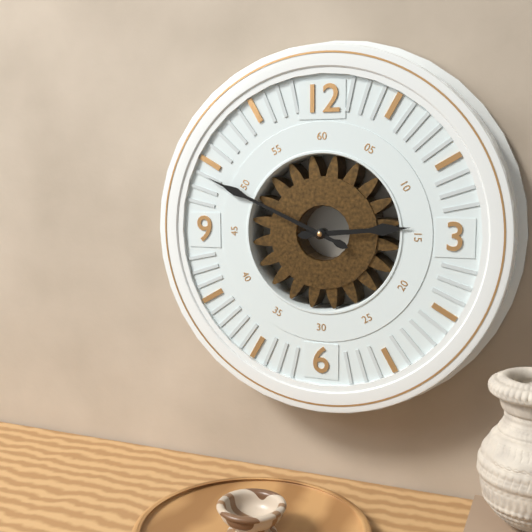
2:49
